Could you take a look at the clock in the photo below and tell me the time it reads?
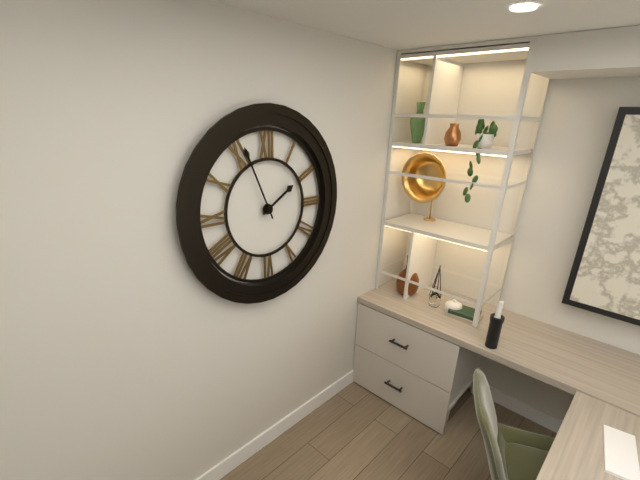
1:56
